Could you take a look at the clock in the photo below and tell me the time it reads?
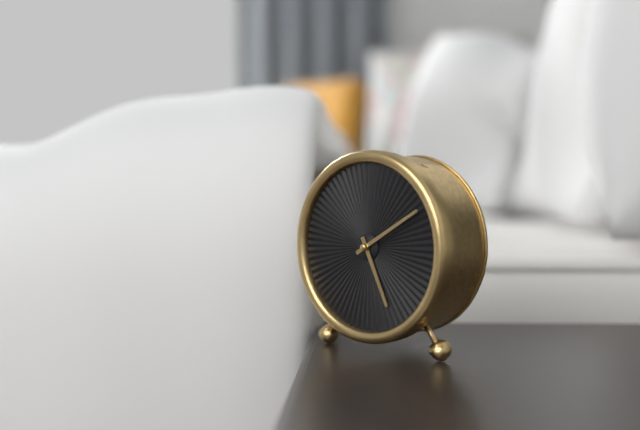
5:10
